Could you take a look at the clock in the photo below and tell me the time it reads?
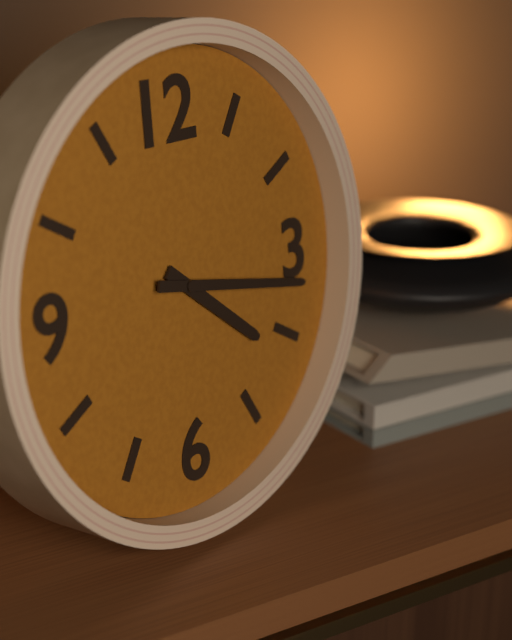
4:17
